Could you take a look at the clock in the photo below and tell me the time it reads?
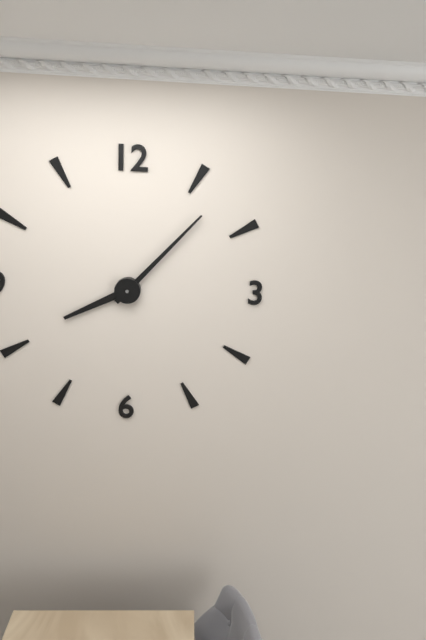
8:07
